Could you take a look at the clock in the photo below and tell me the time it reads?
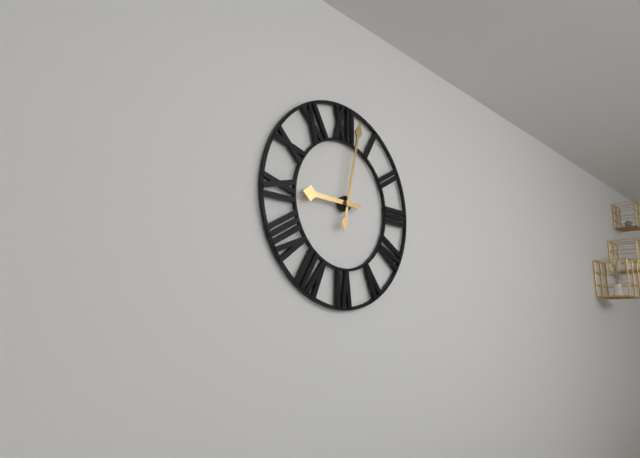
9:02
